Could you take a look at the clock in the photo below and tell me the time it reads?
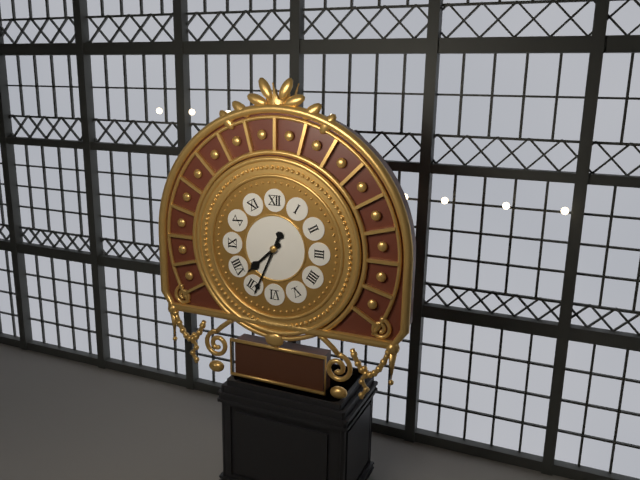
7:34
